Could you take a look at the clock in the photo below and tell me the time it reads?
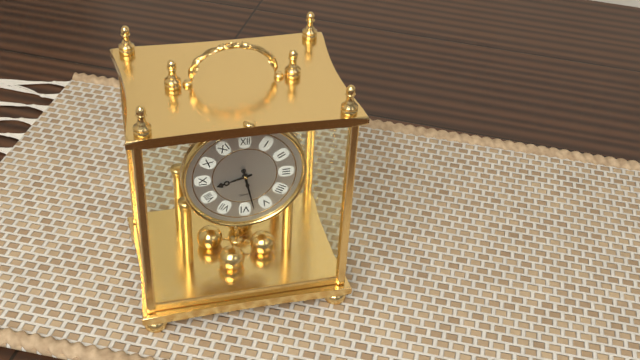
8:28
